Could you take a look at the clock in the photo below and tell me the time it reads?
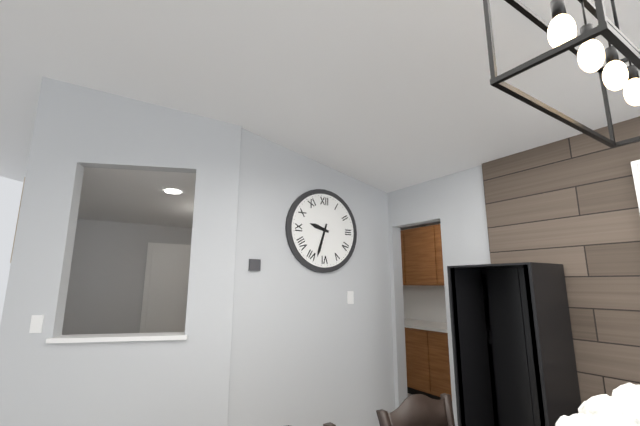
9:33
